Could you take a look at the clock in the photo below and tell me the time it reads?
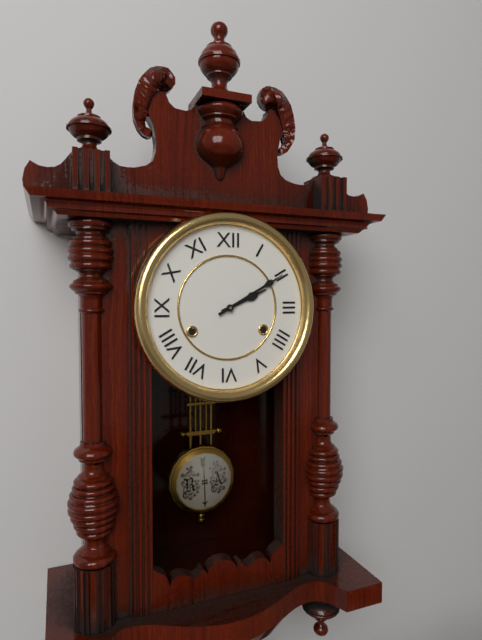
2:10
